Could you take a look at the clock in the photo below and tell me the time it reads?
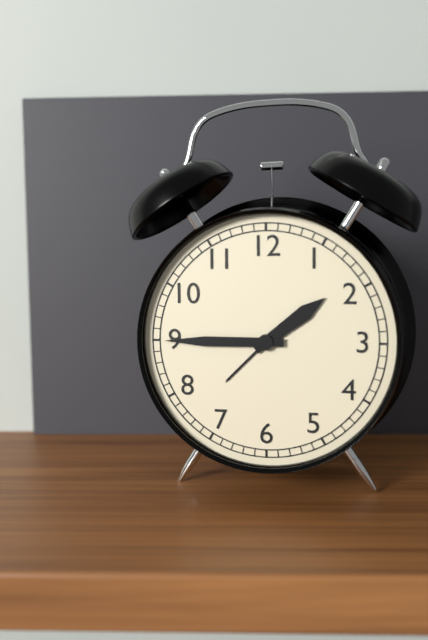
1:45
